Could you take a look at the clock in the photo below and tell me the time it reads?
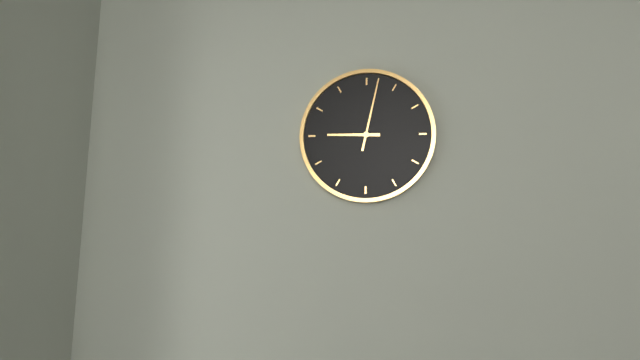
9:02
